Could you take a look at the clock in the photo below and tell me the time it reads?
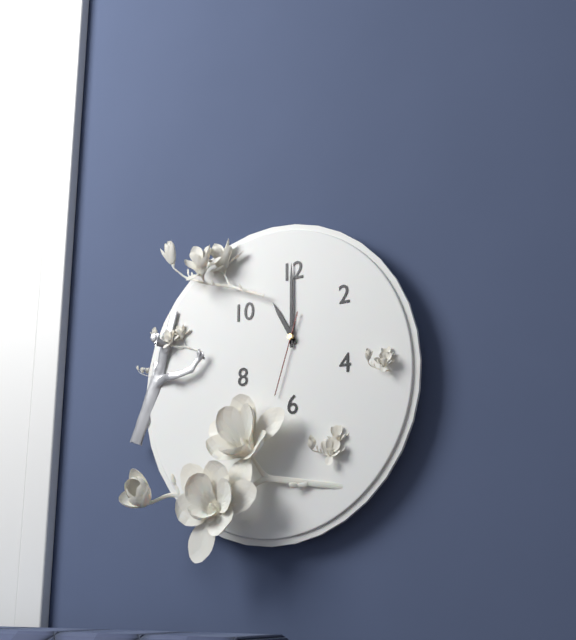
11:00:33
